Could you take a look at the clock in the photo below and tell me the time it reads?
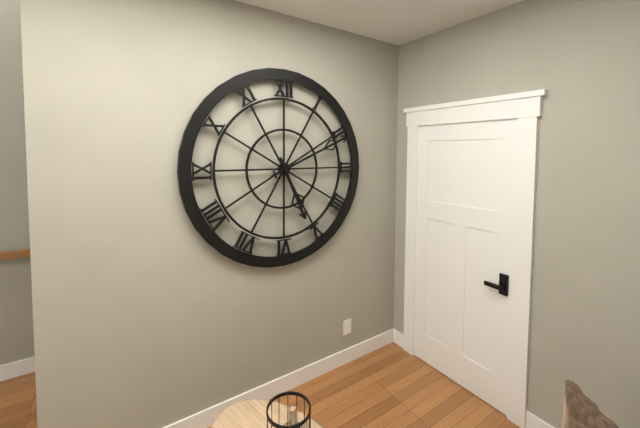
5:11
